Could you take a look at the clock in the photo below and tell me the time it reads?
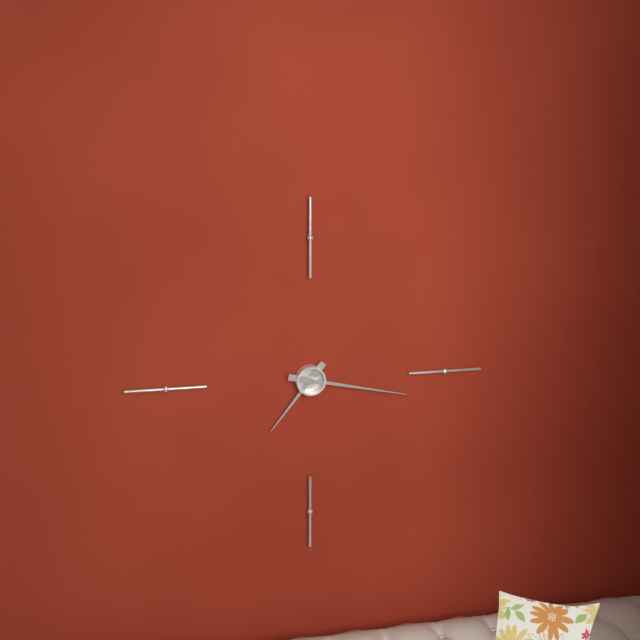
7:17
